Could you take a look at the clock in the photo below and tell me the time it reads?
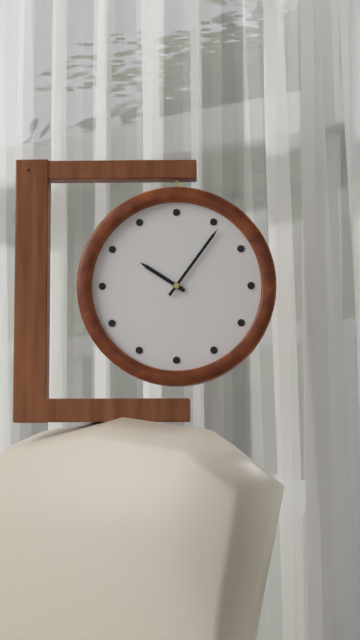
10:06
